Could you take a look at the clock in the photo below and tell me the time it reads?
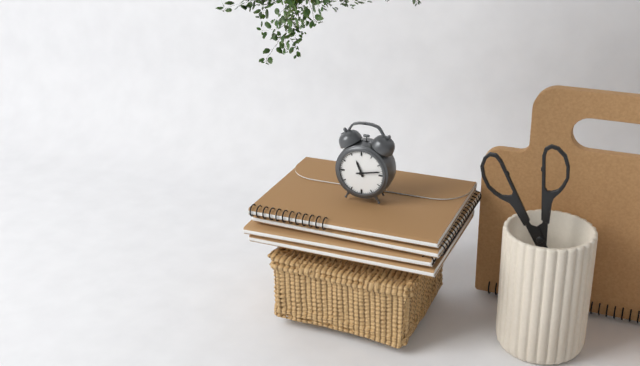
11:13
